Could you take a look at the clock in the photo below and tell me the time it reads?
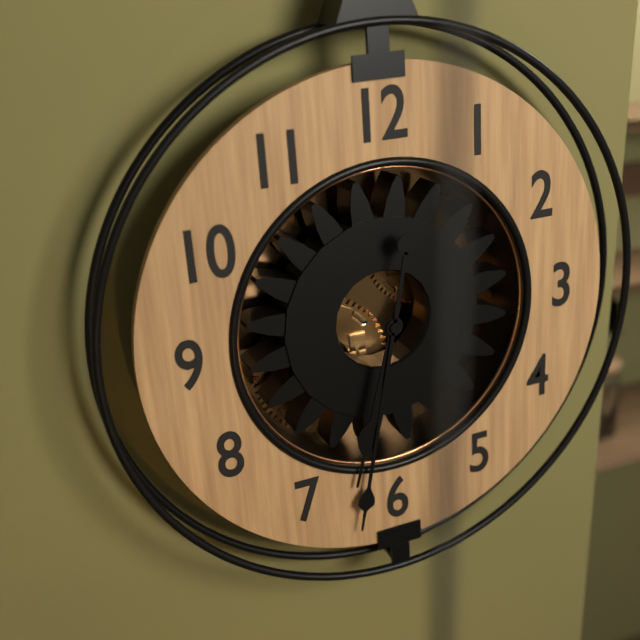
6:32
